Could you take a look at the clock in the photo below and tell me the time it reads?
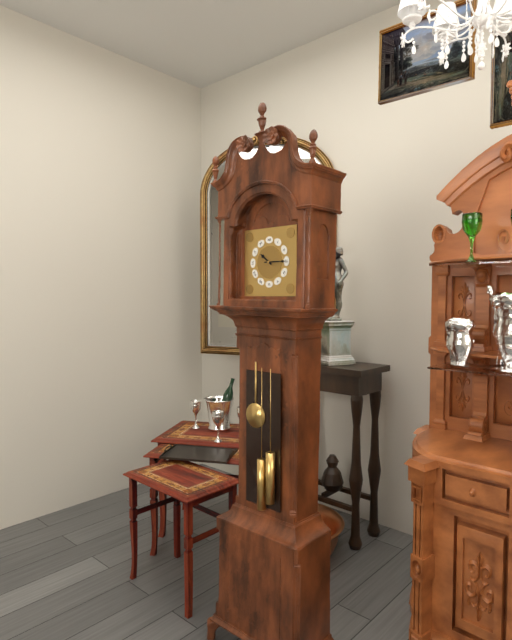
10:15
